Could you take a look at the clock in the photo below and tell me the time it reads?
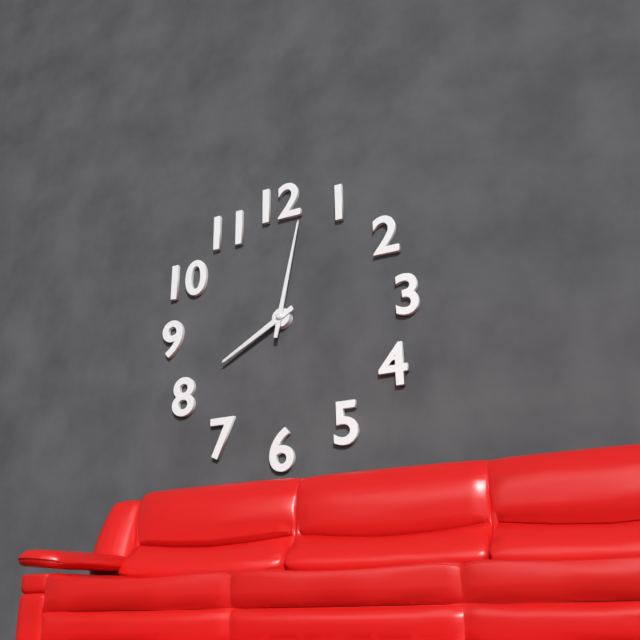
8:02
